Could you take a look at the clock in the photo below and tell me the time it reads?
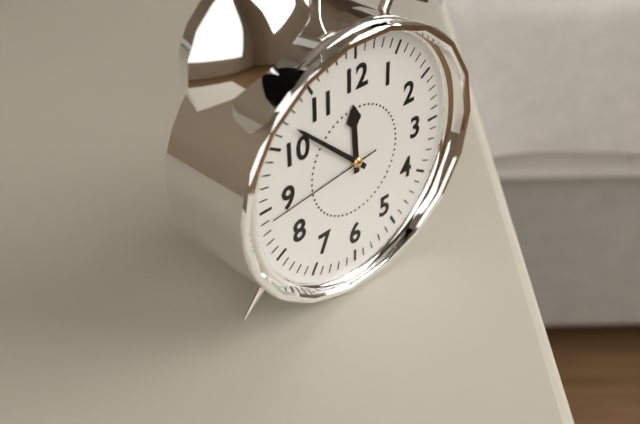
11:52:44
